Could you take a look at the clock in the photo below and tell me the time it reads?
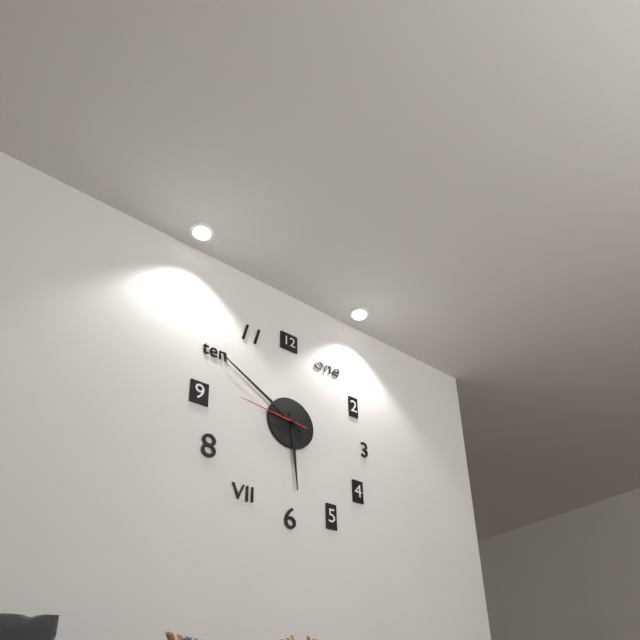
5:50:46
